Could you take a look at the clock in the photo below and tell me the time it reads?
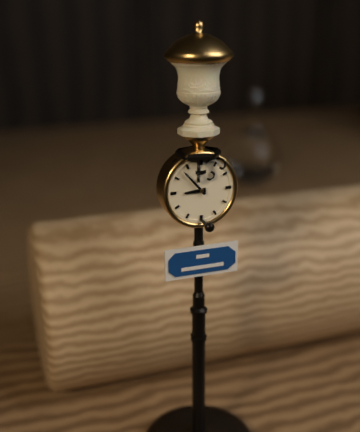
8:53
